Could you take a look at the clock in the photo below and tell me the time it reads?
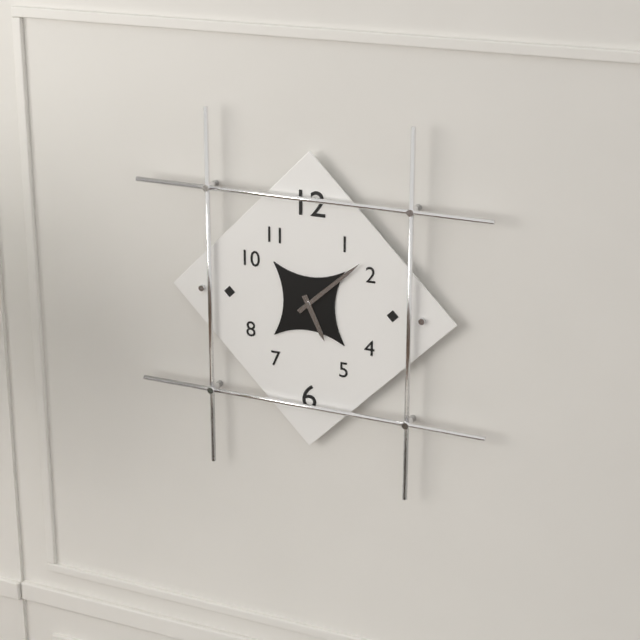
5:08
